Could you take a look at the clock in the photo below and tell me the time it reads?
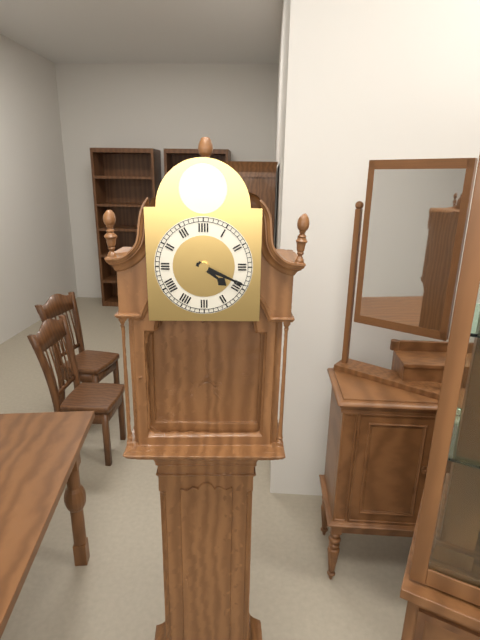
4:19
